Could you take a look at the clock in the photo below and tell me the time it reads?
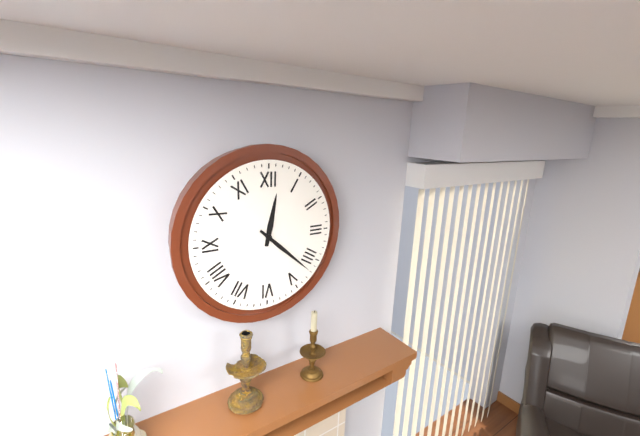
12:22
